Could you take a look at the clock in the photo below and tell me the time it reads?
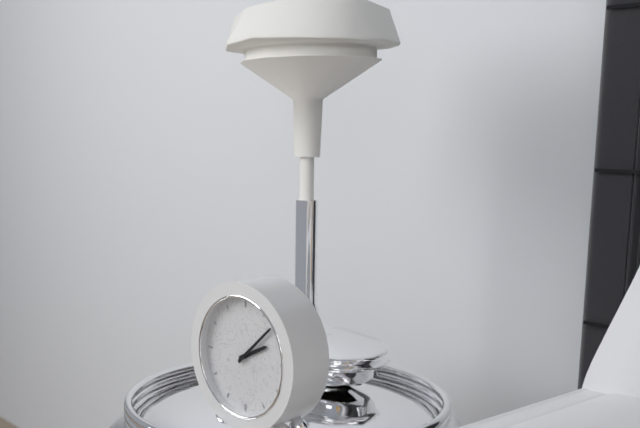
2:08
